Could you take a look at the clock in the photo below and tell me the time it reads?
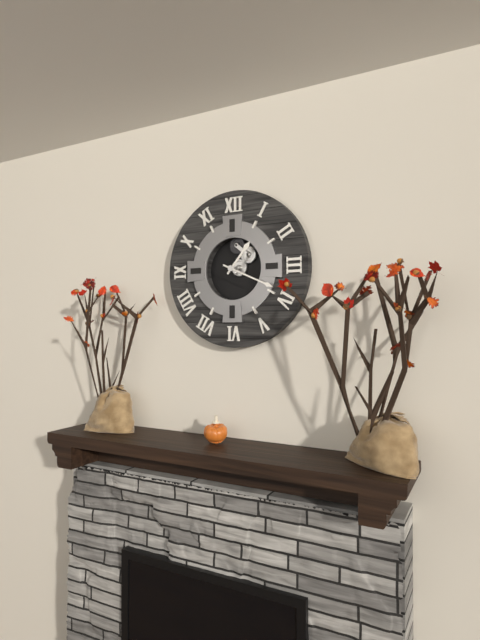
1:19
